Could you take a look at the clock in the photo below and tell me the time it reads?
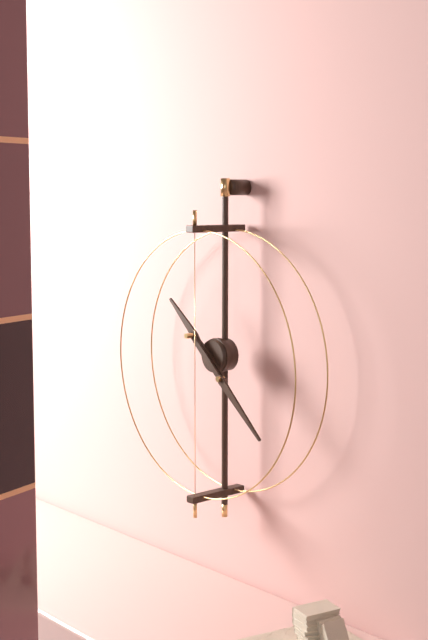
10:22
